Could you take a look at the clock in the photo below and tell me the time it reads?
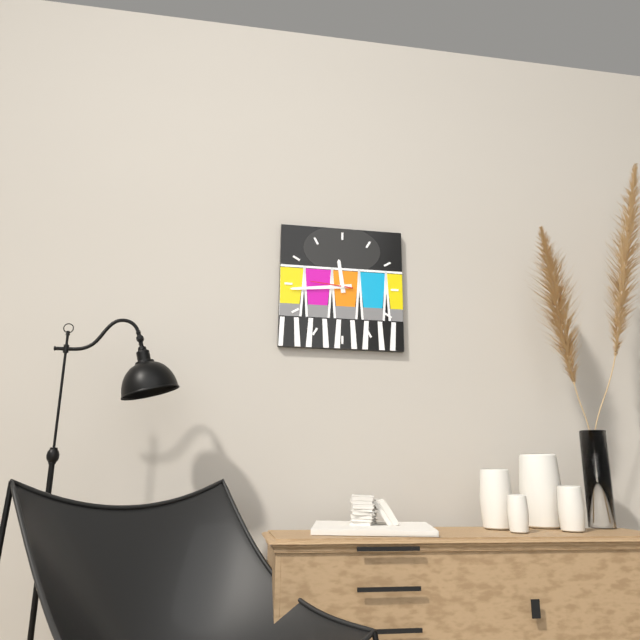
11:44
